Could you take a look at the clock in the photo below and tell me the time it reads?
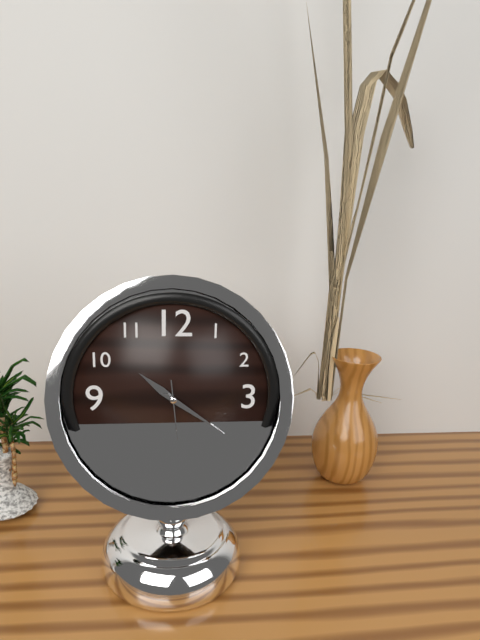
10:21
